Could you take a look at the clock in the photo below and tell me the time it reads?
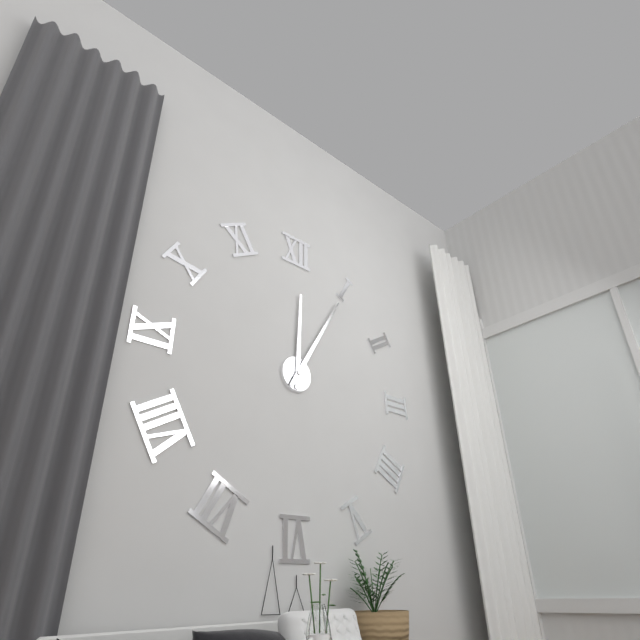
12:05
